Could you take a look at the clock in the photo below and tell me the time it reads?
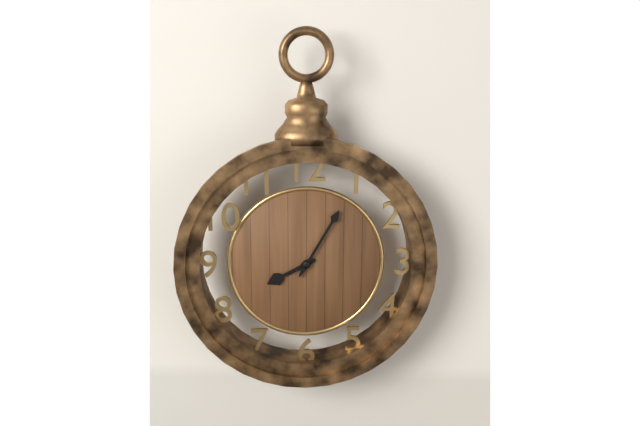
8:05
